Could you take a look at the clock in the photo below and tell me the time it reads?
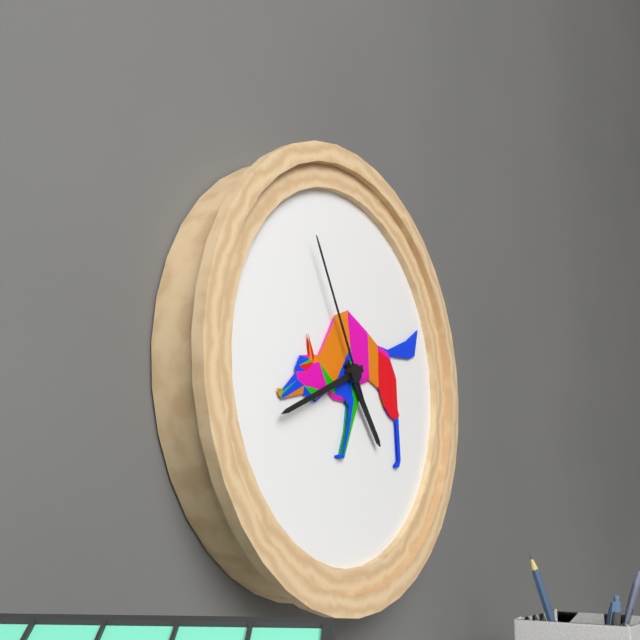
4:41:55
